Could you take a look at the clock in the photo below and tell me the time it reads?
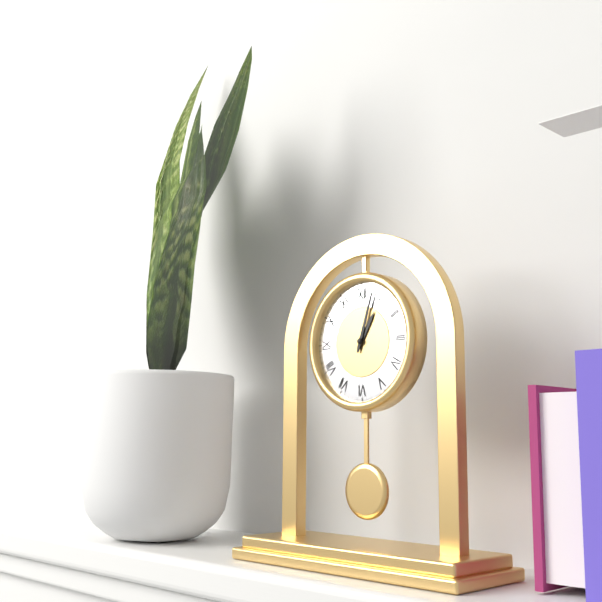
1:03
